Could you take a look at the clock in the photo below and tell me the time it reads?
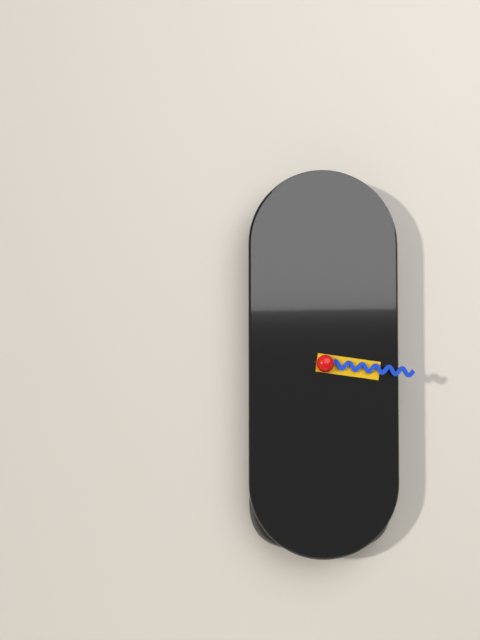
3:16
